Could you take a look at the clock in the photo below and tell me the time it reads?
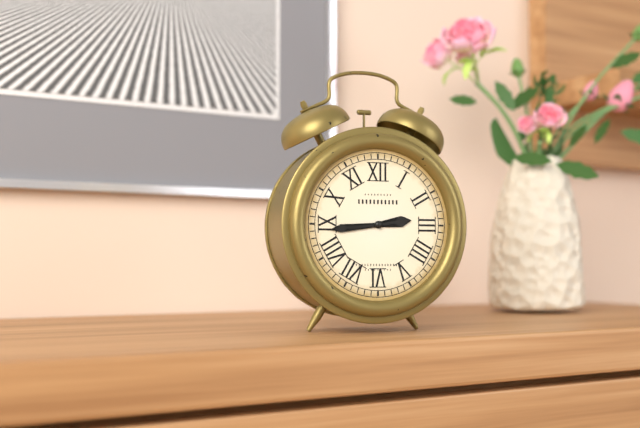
2:44
